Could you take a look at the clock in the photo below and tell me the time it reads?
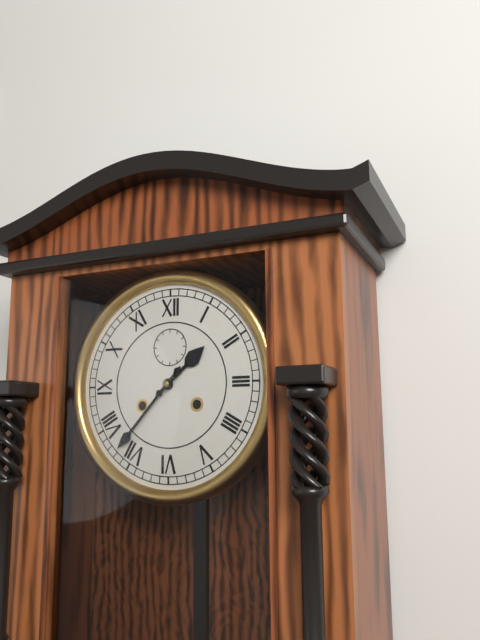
1:37
